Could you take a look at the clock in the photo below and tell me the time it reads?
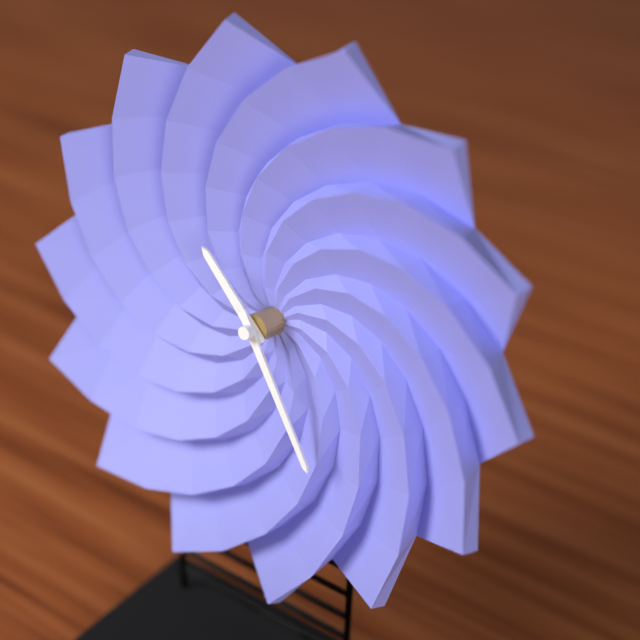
10:24
